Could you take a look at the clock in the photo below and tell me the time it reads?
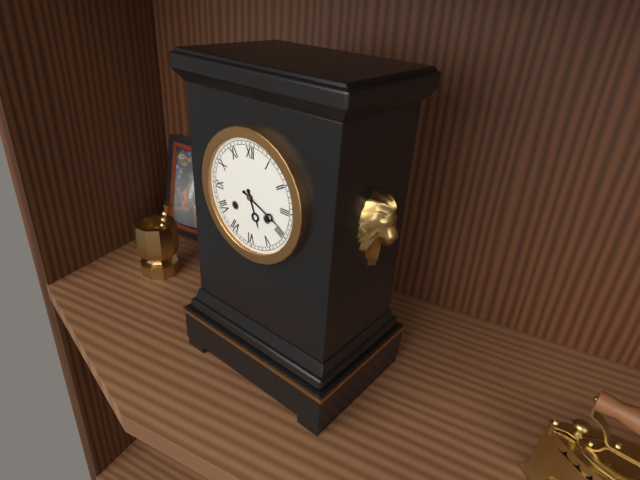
5:19
